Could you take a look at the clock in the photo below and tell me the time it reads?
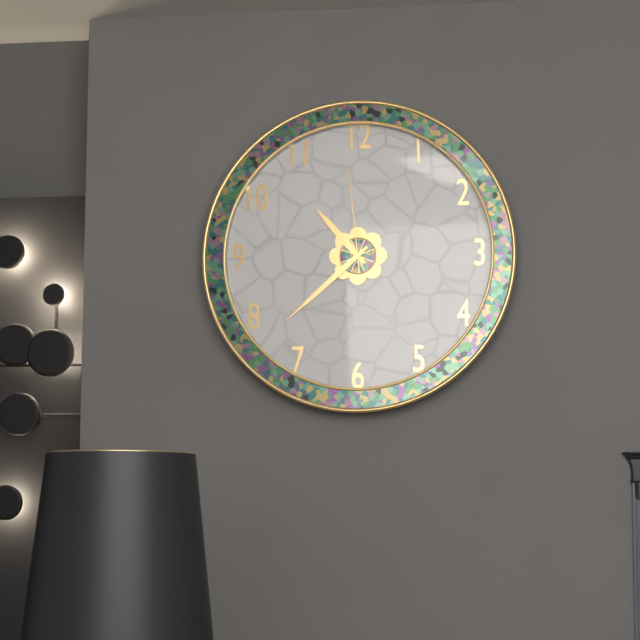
10:38:59
